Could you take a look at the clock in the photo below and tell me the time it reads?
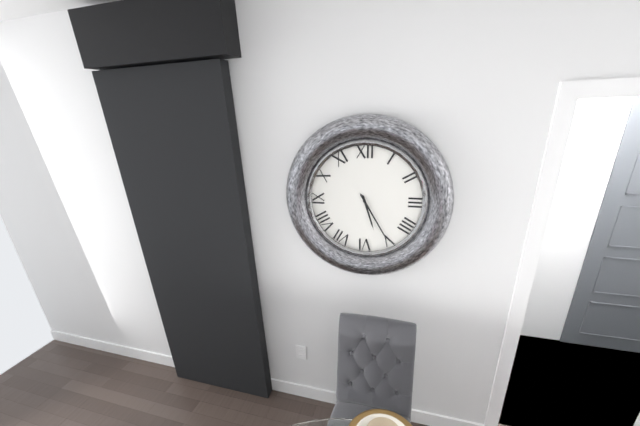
5:25
